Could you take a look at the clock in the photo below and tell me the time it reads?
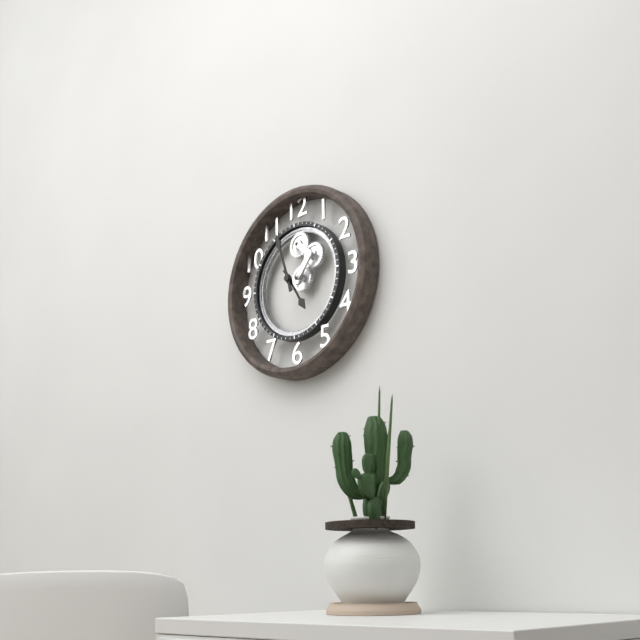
4:57
